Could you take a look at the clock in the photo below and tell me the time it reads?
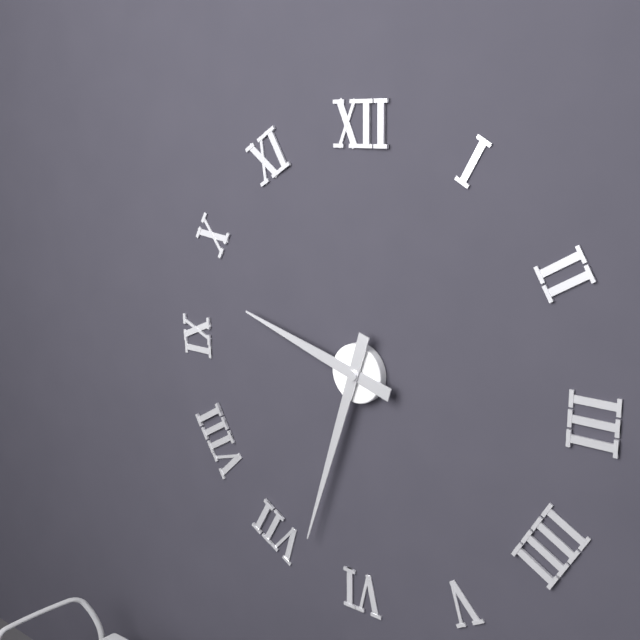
9:33
